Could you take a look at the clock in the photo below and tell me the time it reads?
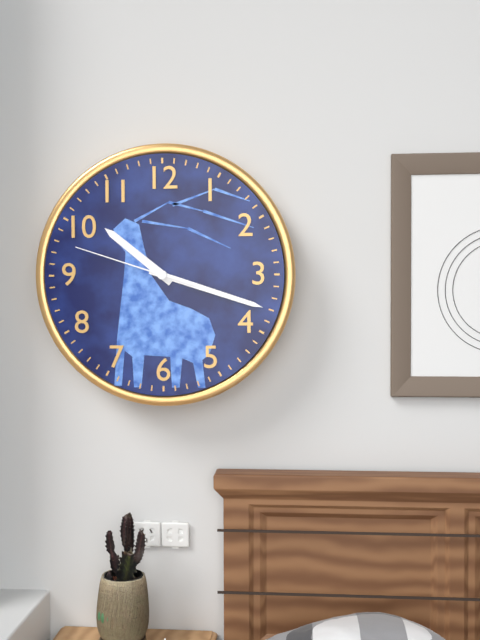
10:18:48
